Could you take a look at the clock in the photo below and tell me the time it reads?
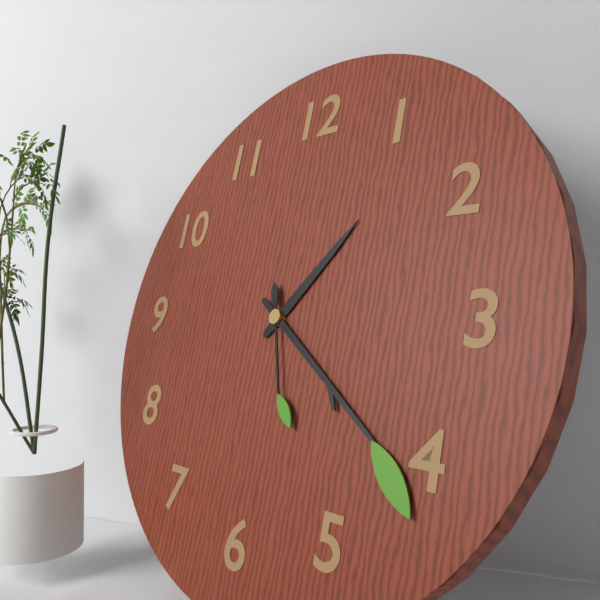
1:21:27
